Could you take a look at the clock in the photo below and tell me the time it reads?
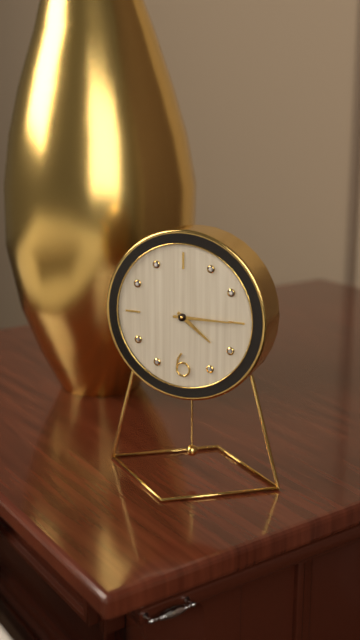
4:15
